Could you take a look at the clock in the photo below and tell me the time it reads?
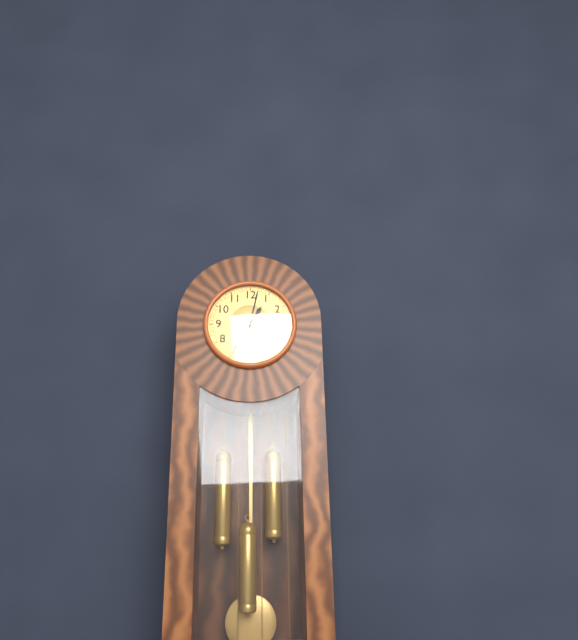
1:02
